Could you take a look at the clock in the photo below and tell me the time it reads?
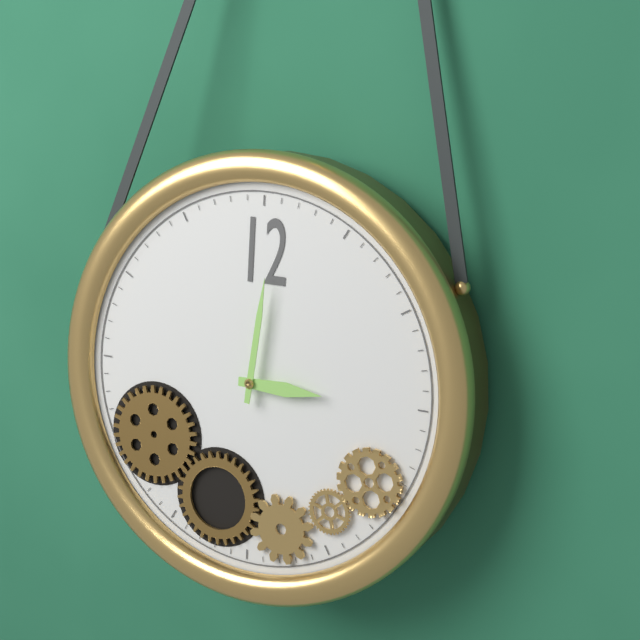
3:01
